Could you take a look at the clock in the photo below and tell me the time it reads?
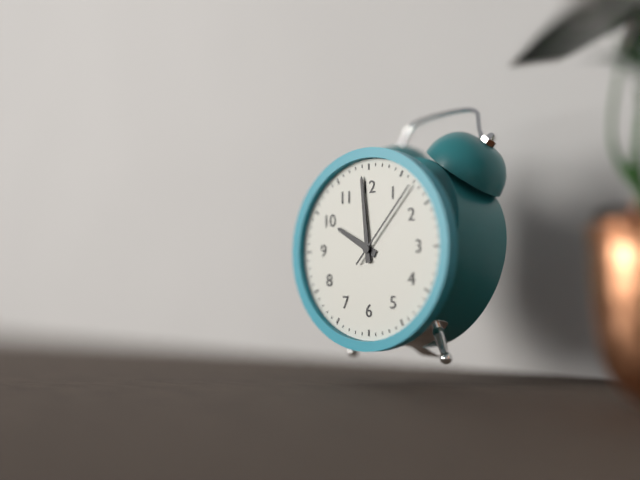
9:59:07
